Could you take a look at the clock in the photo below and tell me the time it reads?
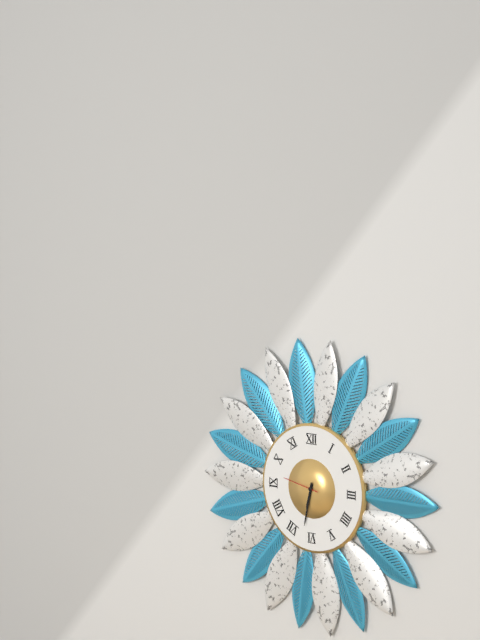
6:32
